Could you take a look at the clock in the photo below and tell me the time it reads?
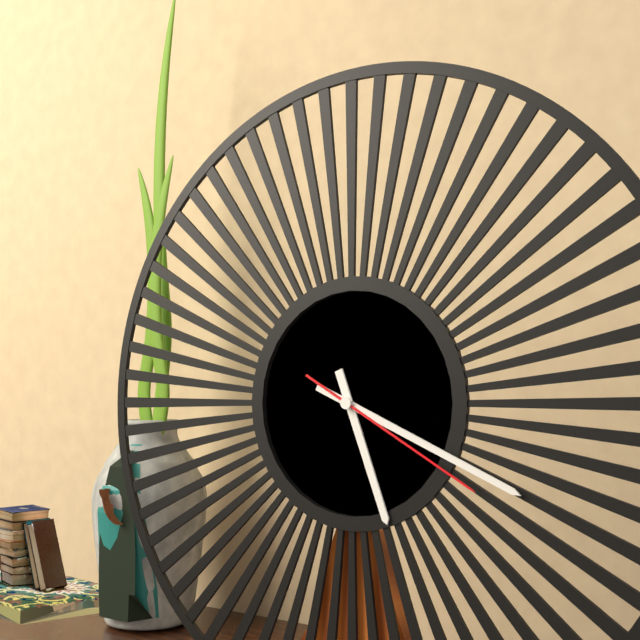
5:19:20
